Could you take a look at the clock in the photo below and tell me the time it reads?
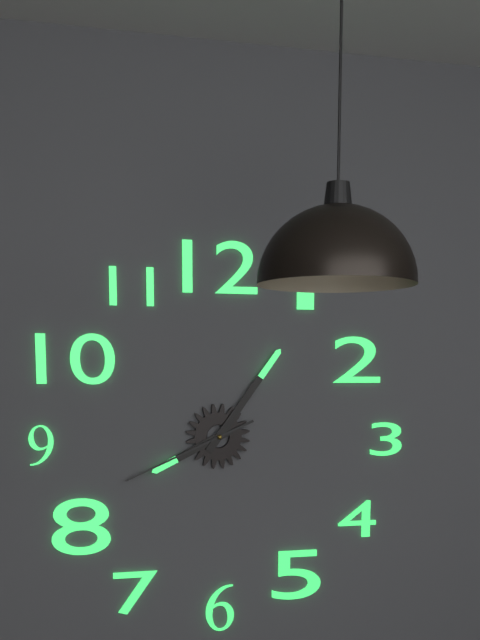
8:06:41
